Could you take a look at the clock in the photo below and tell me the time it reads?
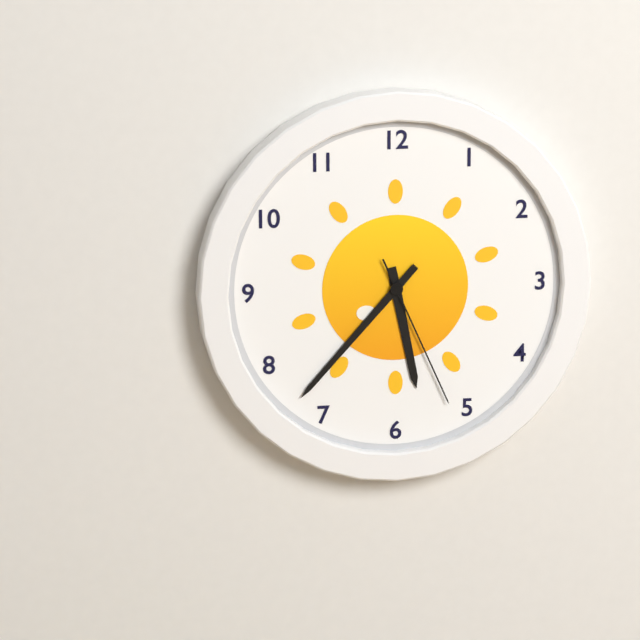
5:37:26
